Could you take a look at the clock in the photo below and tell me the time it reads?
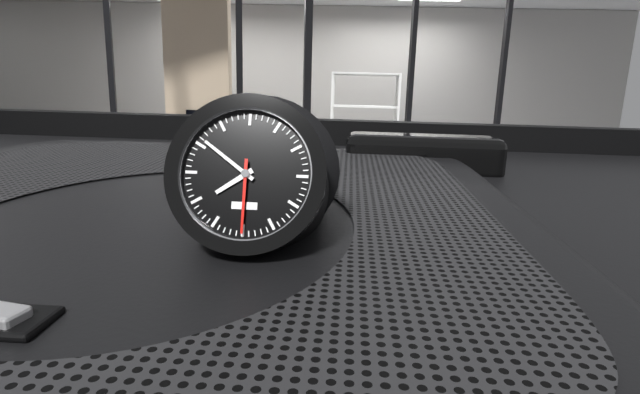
7:51:30
